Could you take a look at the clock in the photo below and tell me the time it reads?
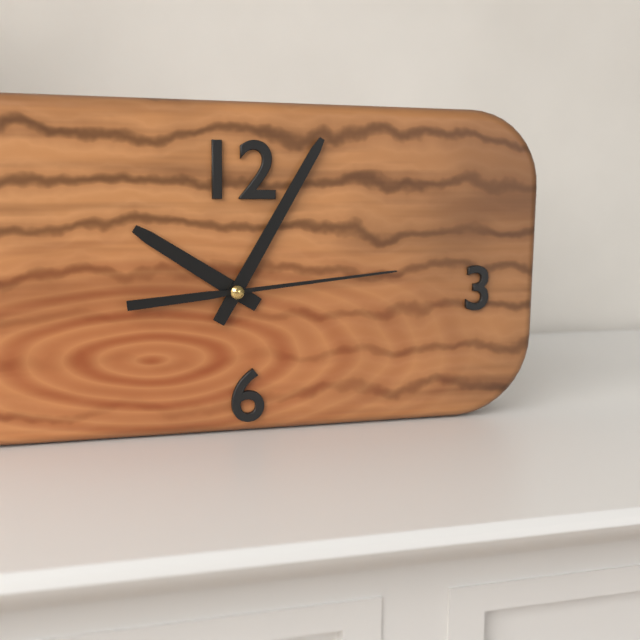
10:05:14
